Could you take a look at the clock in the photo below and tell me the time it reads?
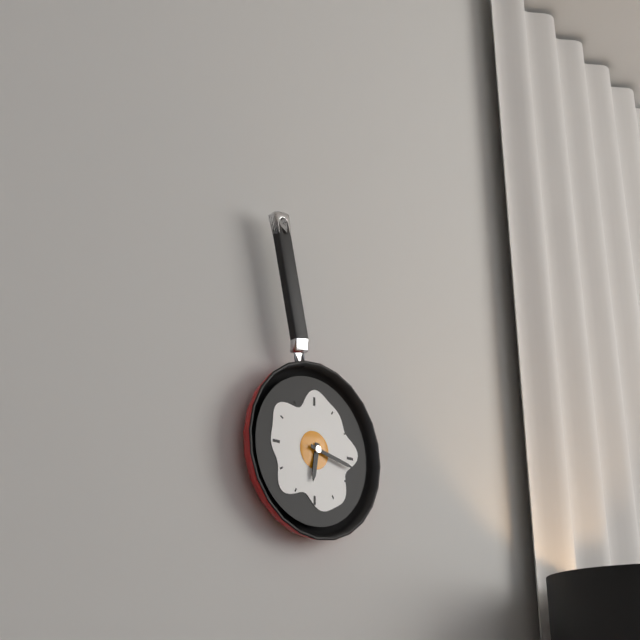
6:17
